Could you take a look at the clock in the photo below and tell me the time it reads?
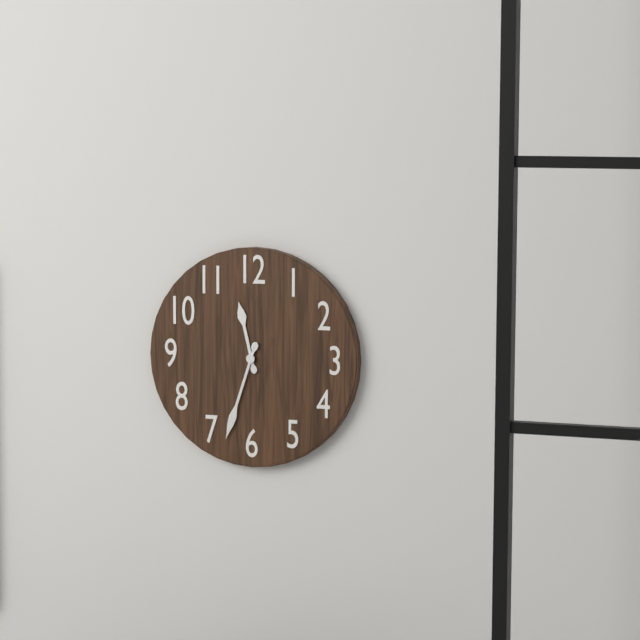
11:33
